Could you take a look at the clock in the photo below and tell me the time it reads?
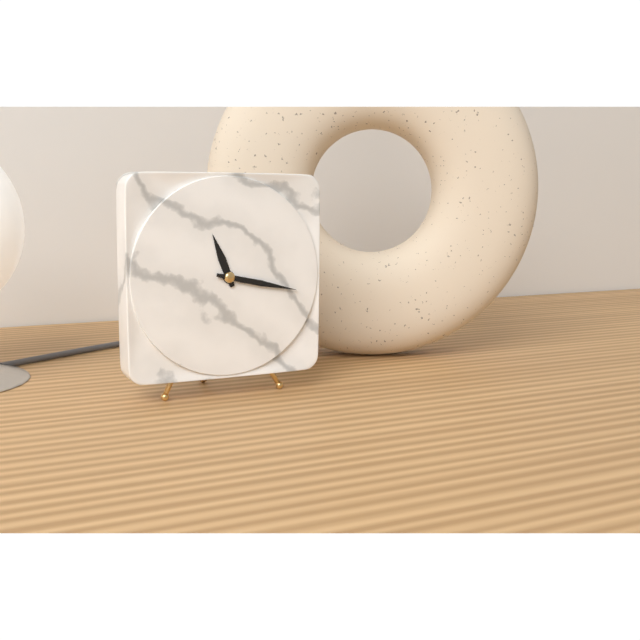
11:17
